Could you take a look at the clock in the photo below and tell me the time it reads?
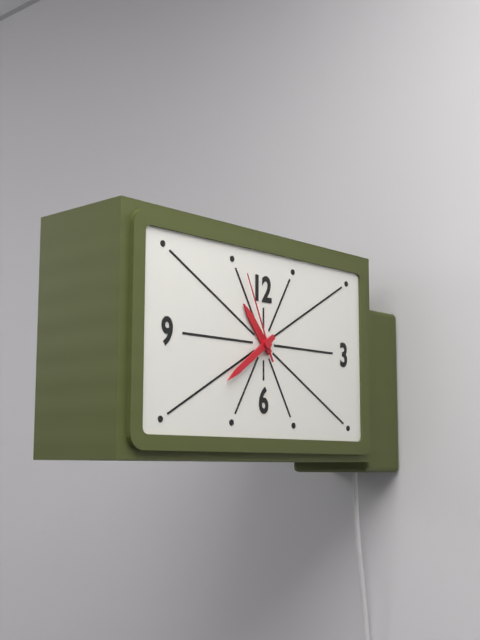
10:39:56
